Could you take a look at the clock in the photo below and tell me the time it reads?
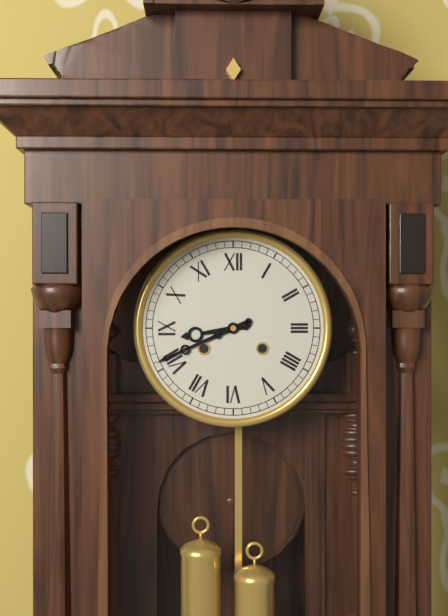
8:41
